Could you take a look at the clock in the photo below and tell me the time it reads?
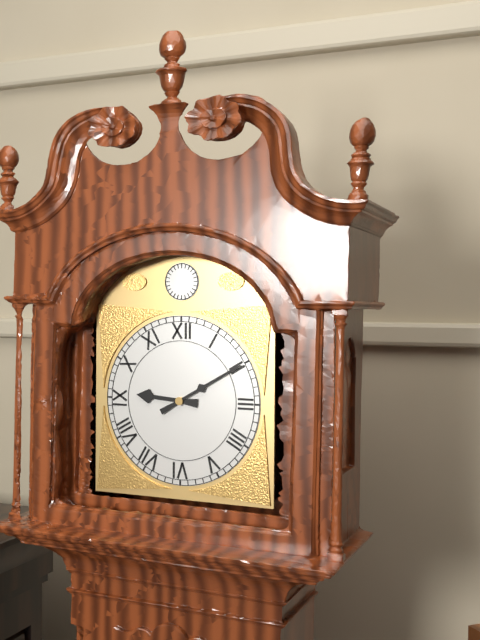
9:10
